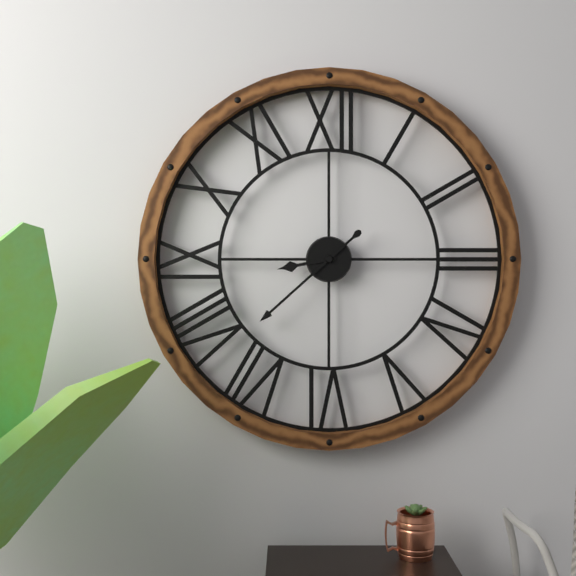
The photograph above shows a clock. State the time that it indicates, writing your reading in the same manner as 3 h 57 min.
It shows 8 h 38 min
